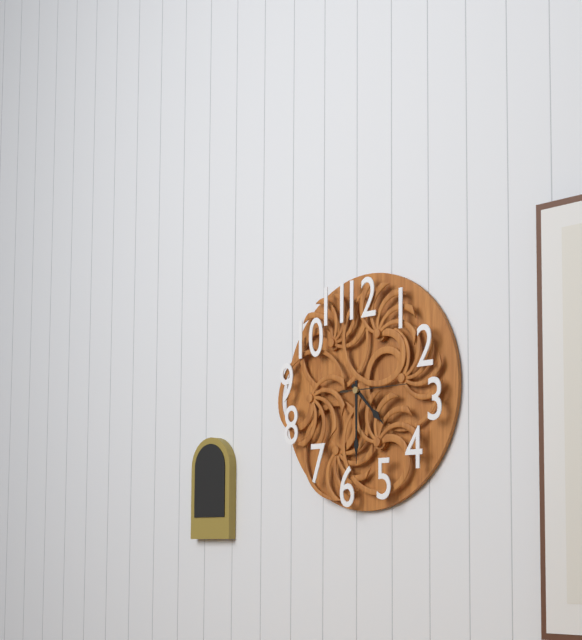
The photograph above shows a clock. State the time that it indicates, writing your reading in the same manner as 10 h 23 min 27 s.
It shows 4 h 30 min 15 s
